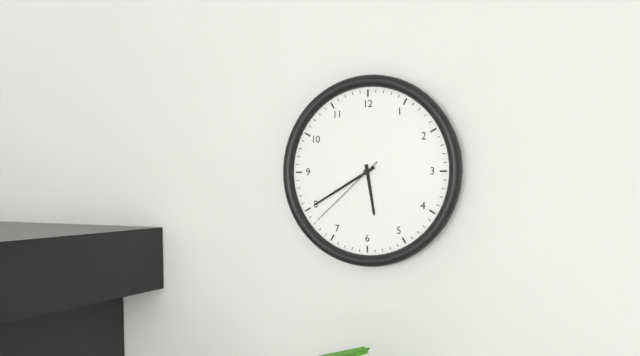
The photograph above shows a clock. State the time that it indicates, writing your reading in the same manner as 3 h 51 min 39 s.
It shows 5 h 40 min 38 s
